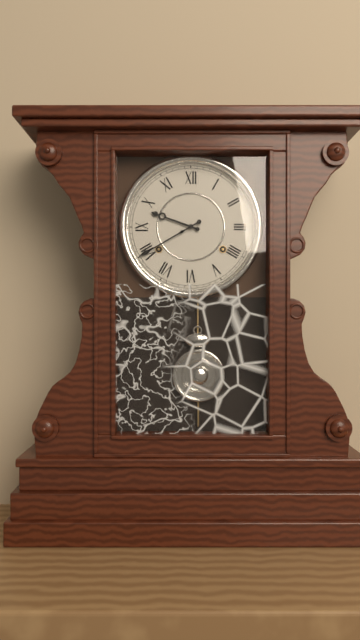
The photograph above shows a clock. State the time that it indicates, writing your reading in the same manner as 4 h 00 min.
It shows 9 h 40 min
